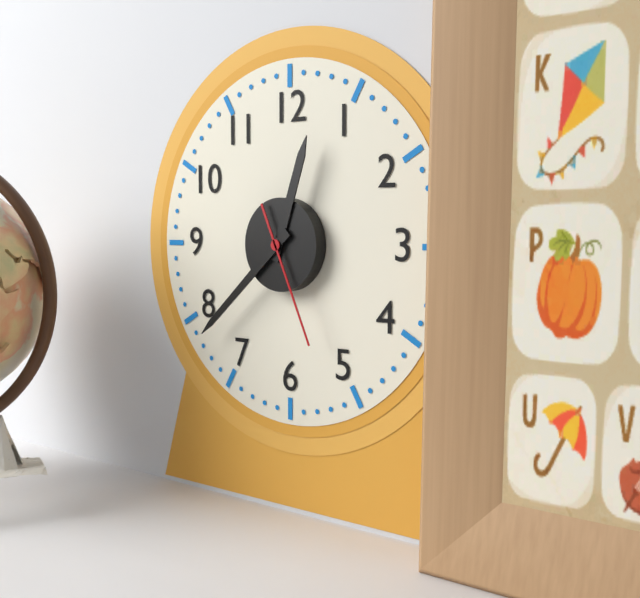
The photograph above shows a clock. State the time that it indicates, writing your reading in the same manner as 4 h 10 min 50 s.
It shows 12 h 38 min 26 s
